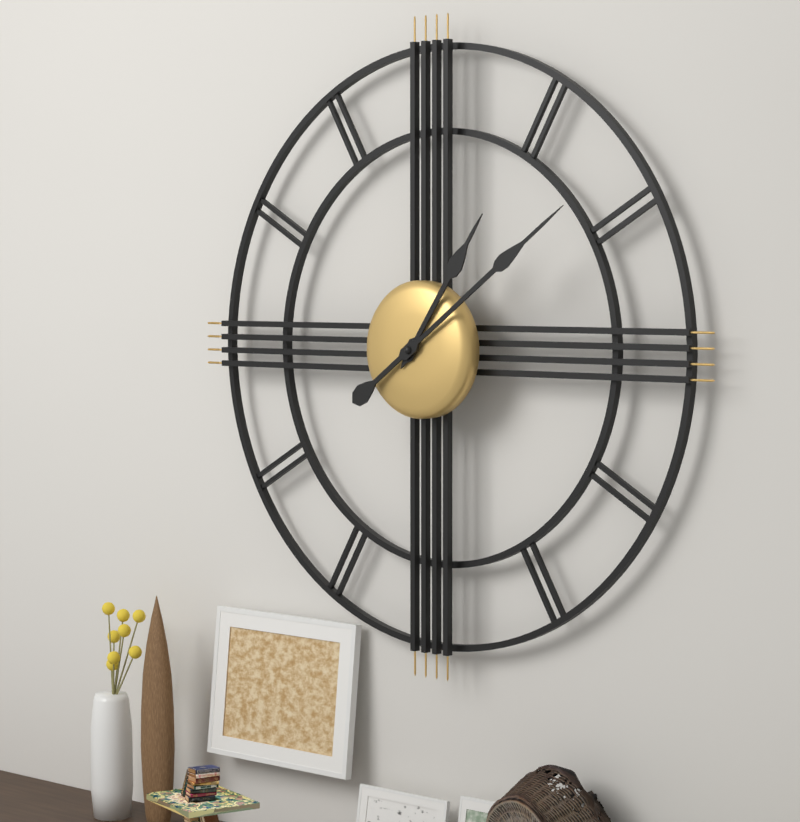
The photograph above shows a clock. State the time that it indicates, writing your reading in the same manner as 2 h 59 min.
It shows 1 h 09 min
